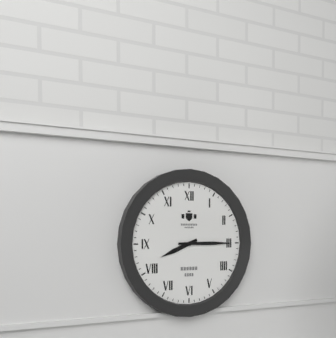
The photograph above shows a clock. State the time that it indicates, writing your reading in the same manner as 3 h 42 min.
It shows 8 h 15 min
